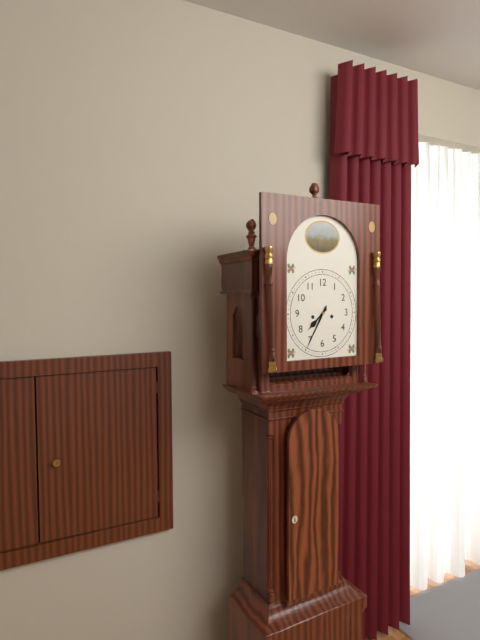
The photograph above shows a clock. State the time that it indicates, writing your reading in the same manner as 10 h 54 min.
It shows 7 h 35 min
